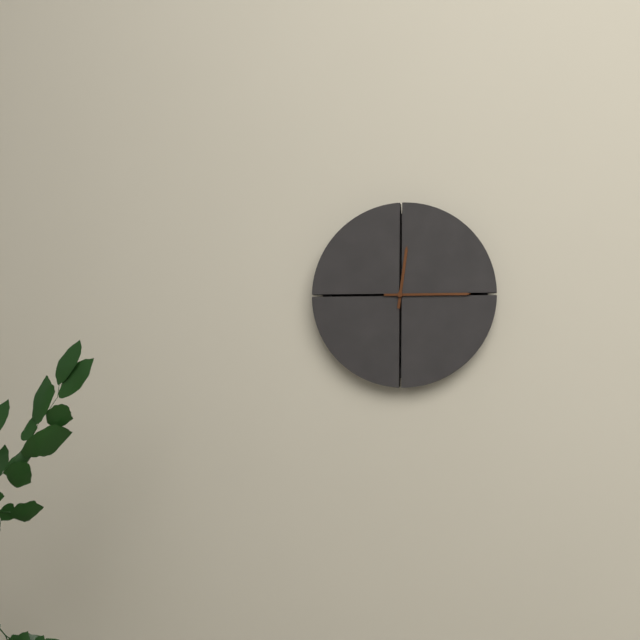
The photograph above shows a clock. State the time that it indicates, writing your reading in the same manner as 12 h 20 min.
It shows 12 h 15 min
